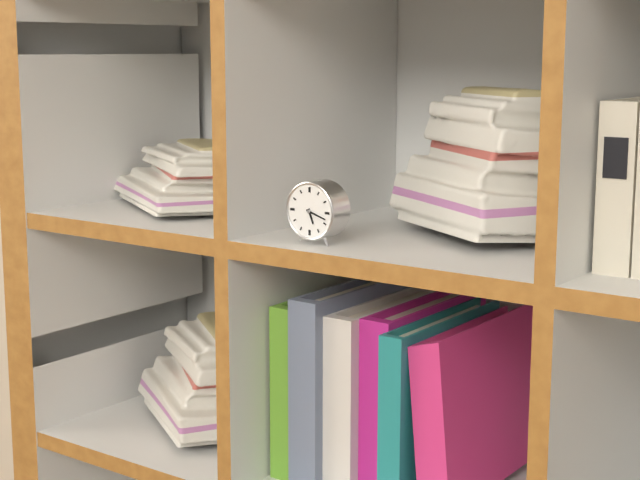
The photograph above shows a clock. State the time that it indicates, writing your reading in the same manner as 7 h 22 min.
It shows 5 h 18 min
